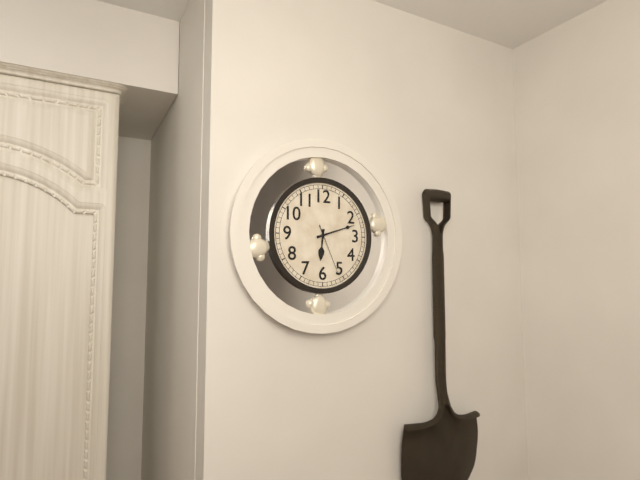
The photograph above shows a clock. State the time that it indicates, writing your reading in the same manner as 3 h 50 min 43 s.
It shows 6 h 12 min 26 s
